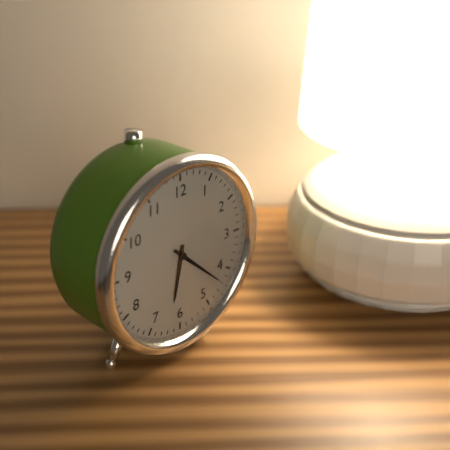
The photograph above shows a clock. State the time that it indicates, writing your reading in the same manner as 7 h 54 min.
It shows 6 h 22 min
